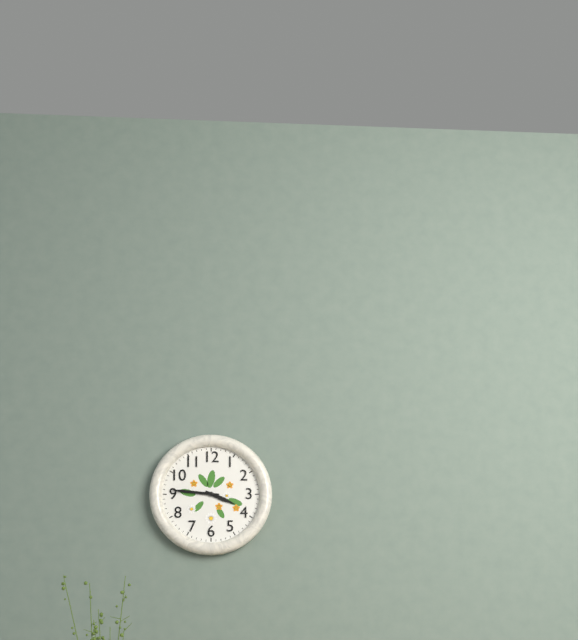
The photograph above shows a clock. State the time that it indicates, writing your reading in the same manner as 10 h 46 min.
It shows 3 h 46 min
